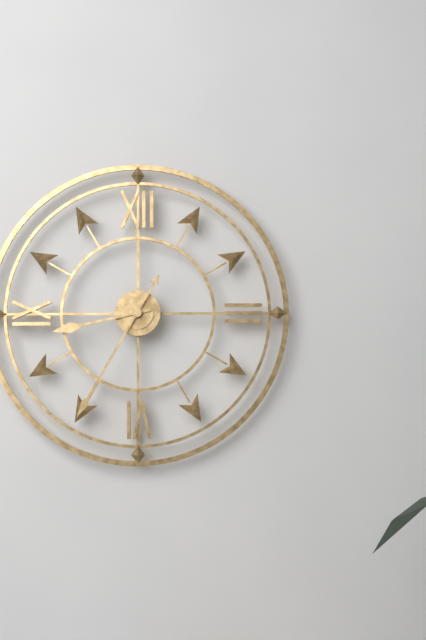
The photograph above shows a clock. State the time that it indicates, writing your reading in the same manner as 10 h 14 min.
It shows 8 h 35 min
